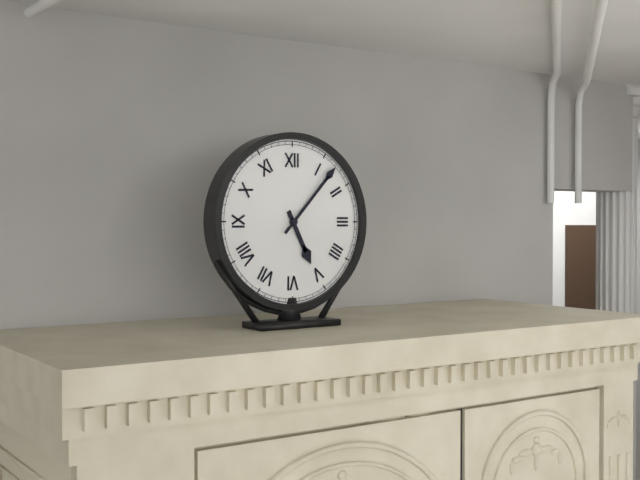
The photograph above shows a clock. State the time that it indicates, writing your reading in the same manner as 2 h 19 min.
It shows 5 h 07 min
